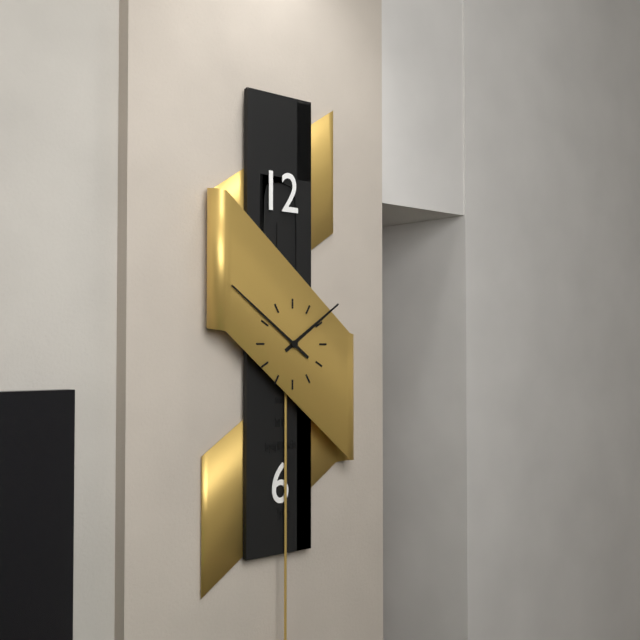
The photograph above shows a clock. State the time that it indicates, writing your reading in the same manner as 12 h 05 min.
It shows 1 h 51 min
